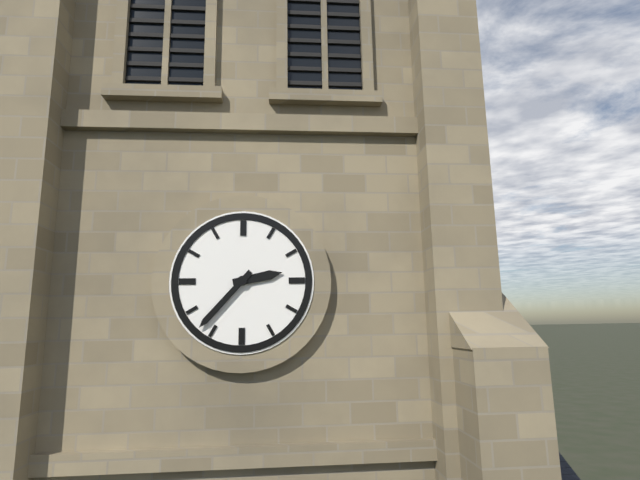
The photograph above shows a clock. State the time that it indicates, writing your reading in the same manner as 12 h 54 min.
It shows 2 h 37 min
